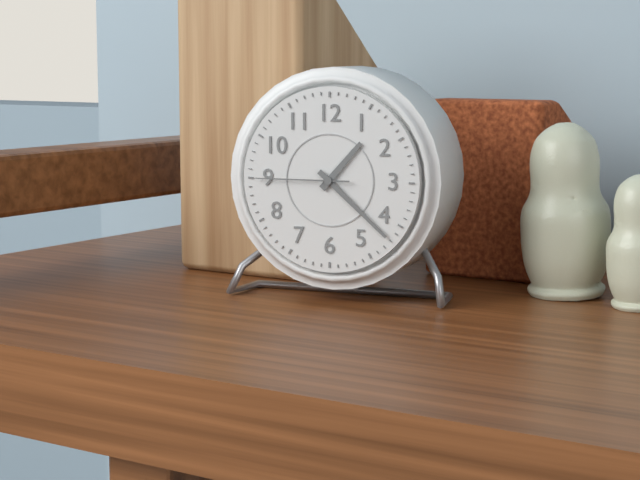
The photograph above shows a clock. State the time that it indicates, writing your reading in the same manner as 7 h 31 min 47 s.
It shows 1 h 22 min 45 s
